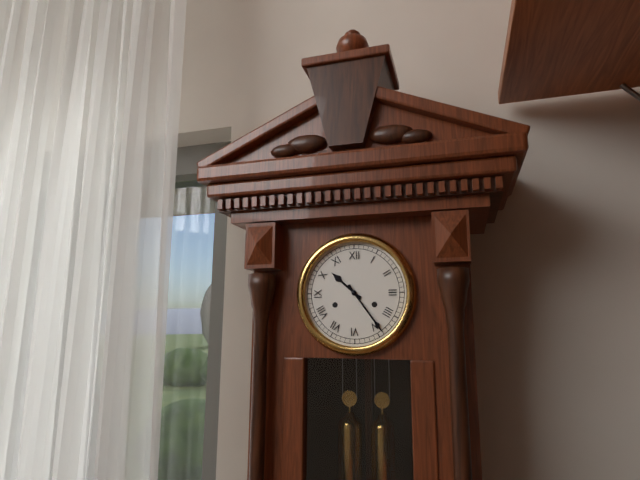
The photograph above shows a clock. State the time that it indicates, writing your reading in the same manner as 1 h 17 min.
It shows 10 h 24 min
